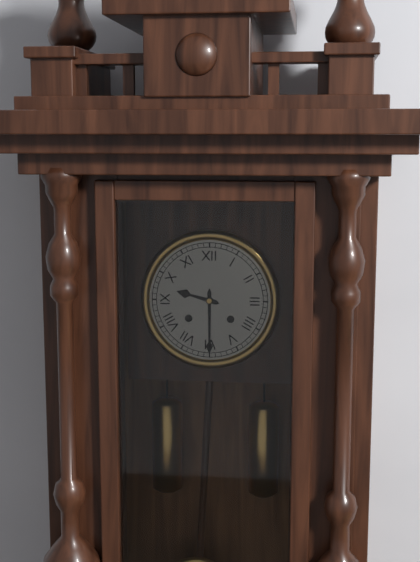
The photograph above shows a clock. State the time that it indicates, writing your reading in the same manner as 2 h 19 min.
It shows 9 h 30 min
